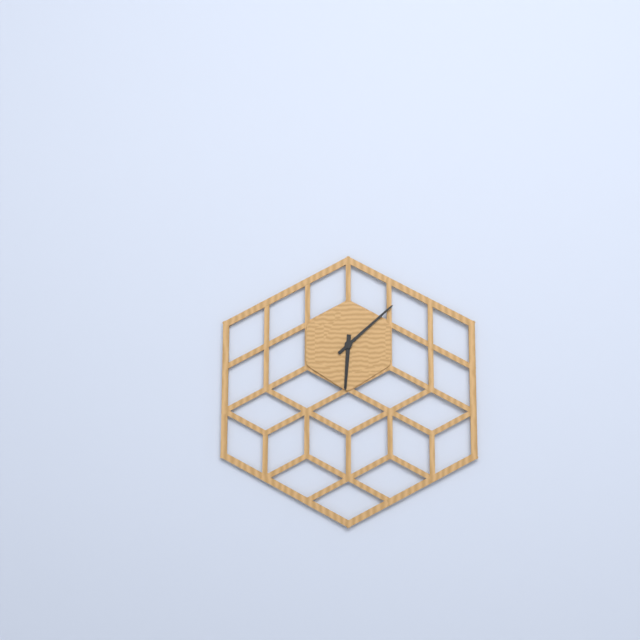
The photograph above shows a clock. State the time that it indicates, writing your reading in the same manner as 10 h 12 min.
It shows 6 h 08 min
